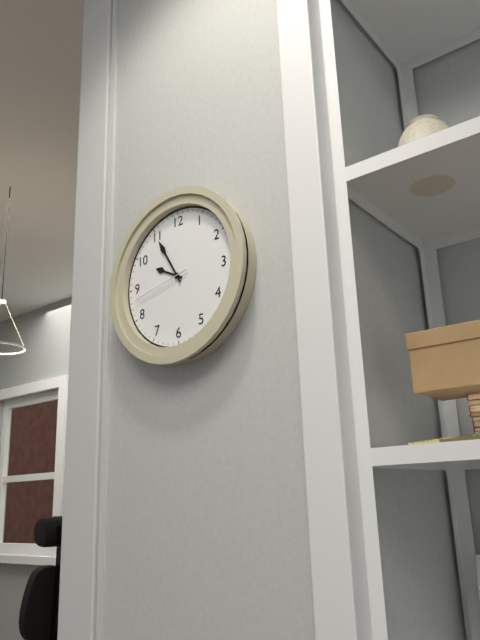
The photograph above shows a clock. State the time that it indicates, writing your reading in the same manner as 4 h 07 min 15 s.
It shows 9 h 55 min 43 s
